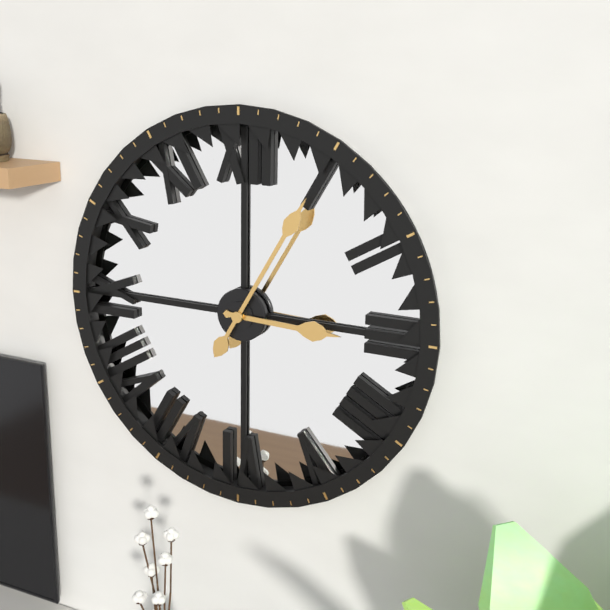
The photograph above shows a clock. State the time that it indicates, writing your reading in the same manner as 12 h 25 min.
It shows 3 h 05 min
